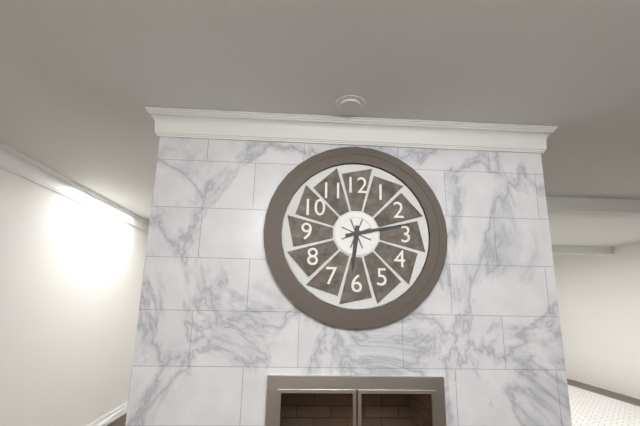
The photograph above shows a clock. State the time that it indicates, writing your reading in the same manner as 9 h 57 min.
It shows 6 h 13 min
